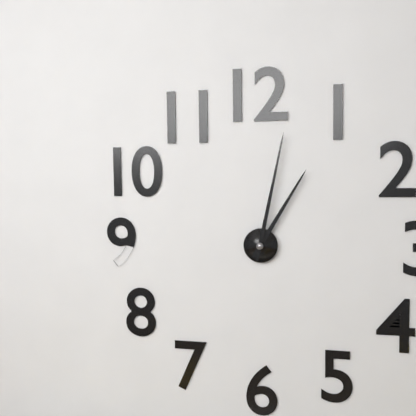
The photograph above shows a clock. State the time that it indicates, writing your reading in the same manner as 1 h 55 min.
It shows 1 h 02 min
